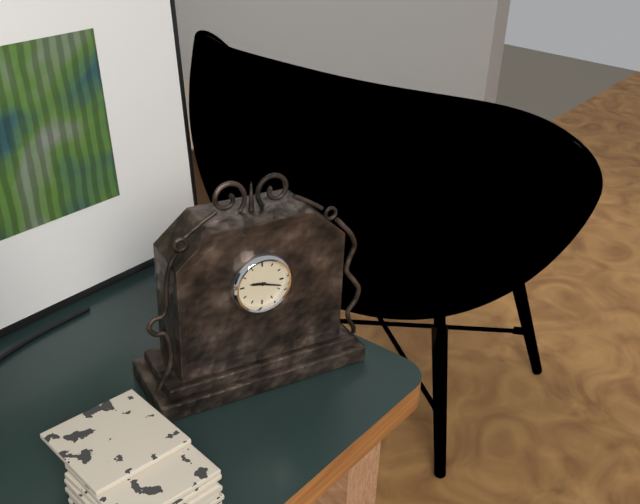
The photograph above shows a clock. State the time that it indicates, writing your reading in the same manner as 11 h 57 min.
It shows 9 h 18 min
